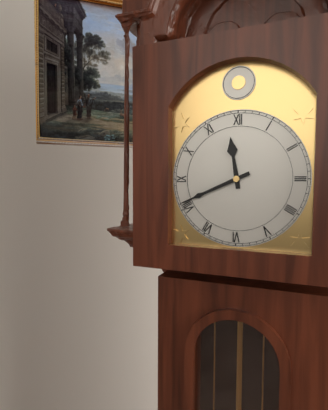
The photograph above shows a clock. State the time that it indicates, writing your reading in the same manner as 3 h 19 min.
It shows 11 h 41 min
